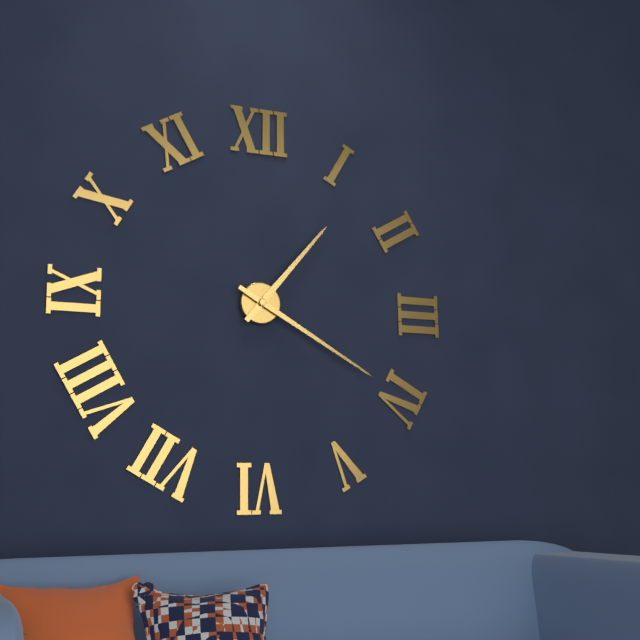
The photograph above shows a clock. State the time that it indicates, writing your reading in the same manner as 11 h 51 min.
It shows 1 h 20 min
